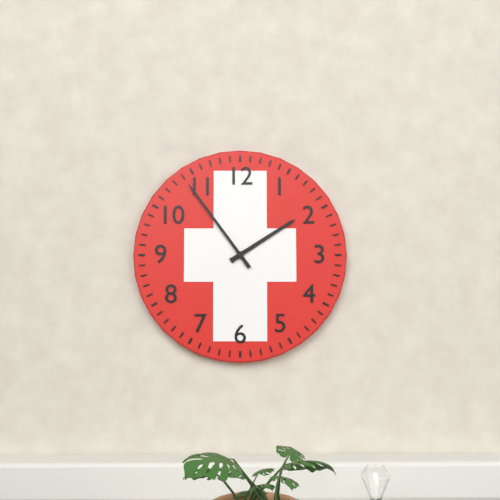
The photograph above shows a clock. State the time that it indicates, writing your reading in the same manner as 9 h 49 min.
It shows 1 h 54 min
